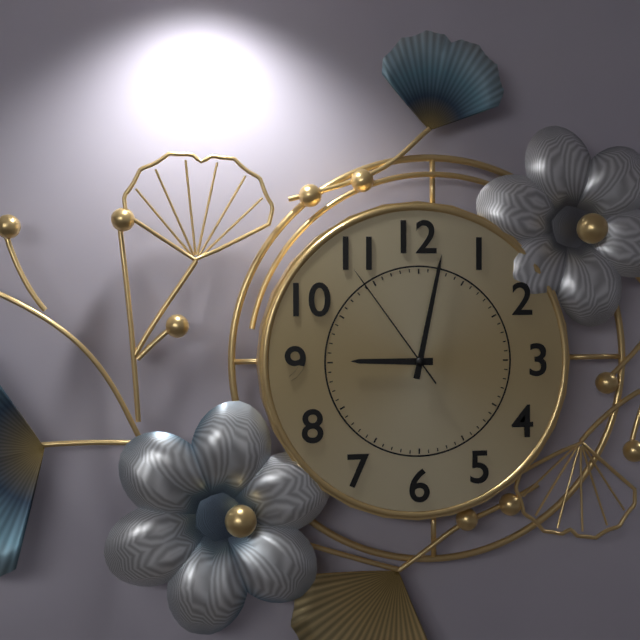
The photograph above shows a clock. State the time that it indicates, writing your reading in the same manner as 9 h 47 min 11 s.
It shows 9 h 02 min 54 s
